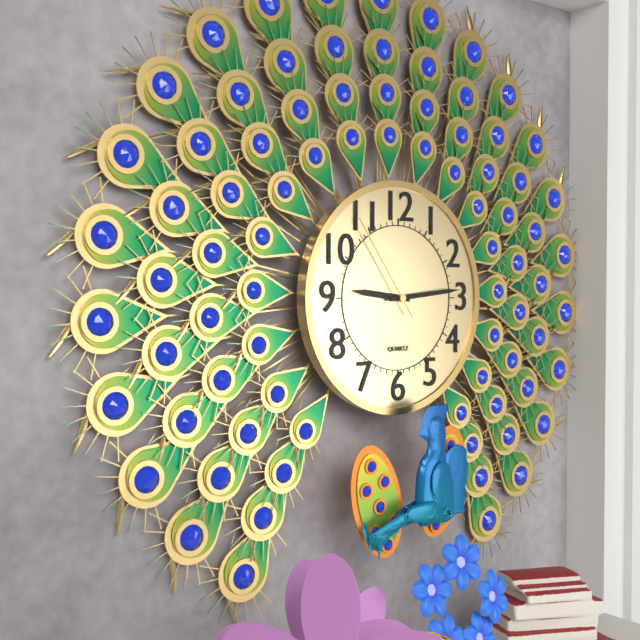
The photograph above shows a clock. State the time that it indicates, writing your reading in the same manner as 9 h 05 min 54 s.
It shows 9 h 14 min 54 s
